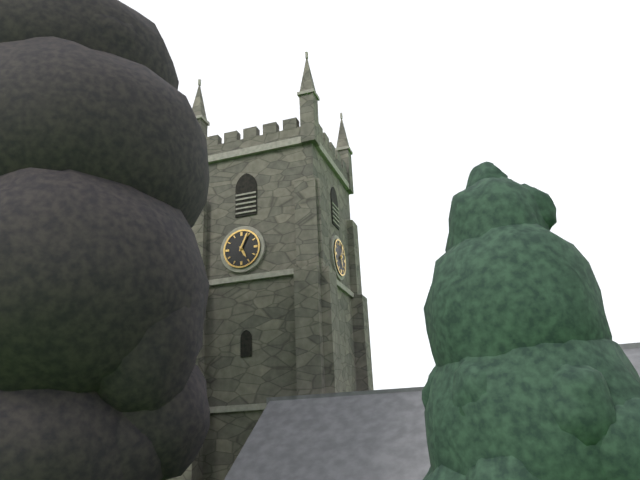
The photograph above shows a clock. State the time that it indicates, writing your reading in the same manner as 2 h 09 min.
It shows 5 h 04 min
